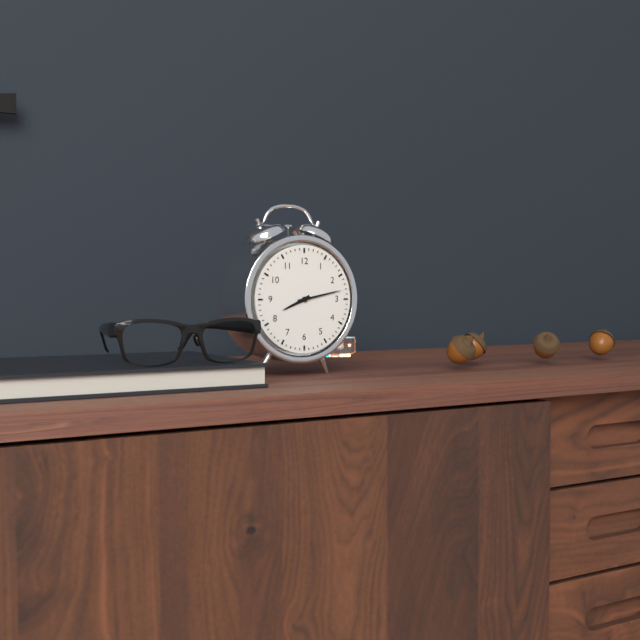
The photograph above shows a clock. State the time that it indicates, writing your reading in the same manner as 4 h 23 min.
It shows 8 h 13 min
